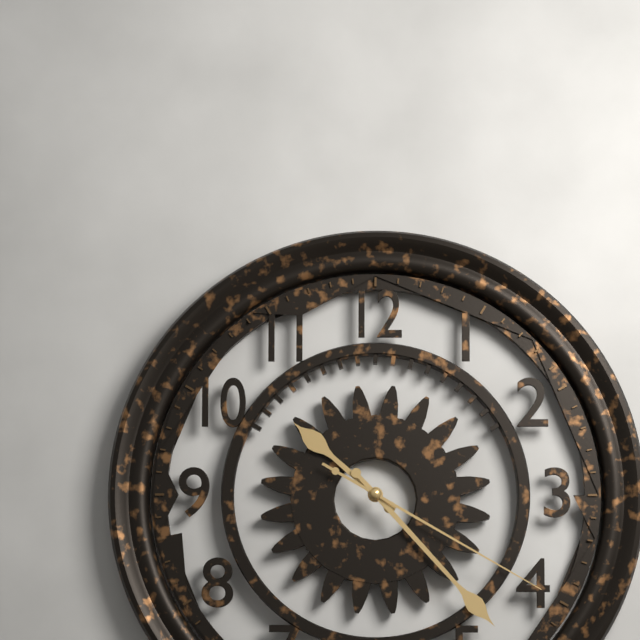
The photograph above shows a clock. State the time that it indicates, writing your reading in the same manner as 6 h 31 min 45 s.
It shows 10 h 23 min 20 s
